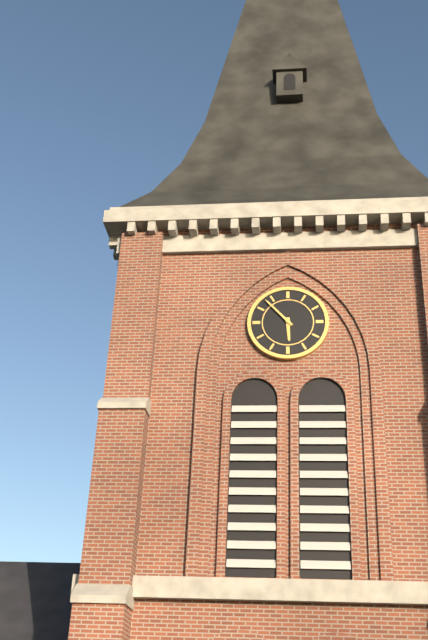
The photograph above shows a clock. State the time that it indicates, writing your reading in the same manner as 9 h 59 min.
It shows 5 h 53 min
